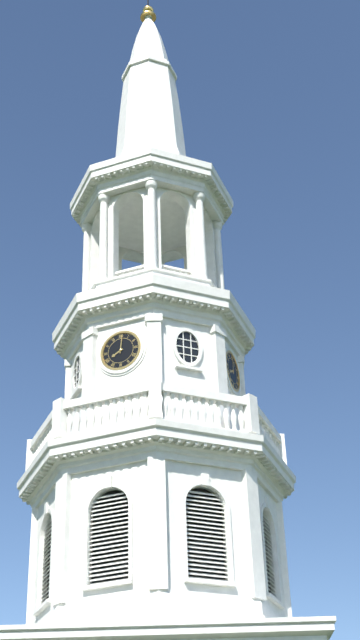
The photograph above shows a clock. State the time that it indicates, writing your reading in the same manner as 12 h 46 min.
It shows 8 h 01 min
